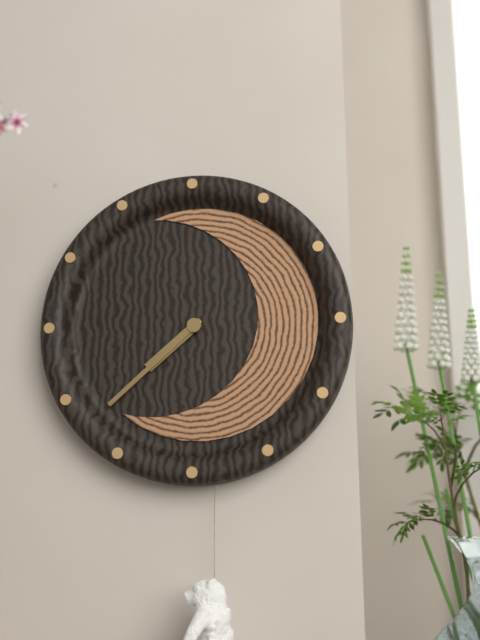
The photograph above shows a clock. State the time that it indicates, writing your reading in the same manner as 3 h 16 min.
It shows 7 h 38 min
